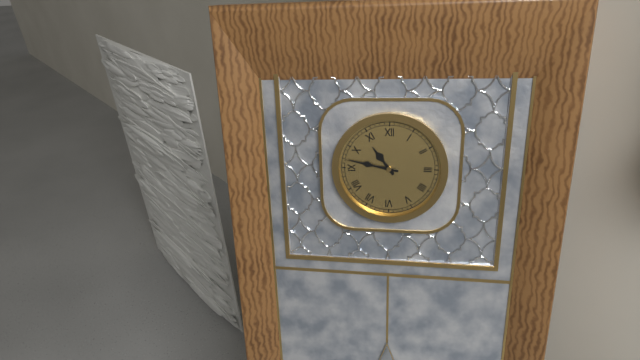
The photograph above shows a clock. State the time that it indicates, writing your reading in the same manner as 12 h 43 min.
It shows 10 h 47 min
